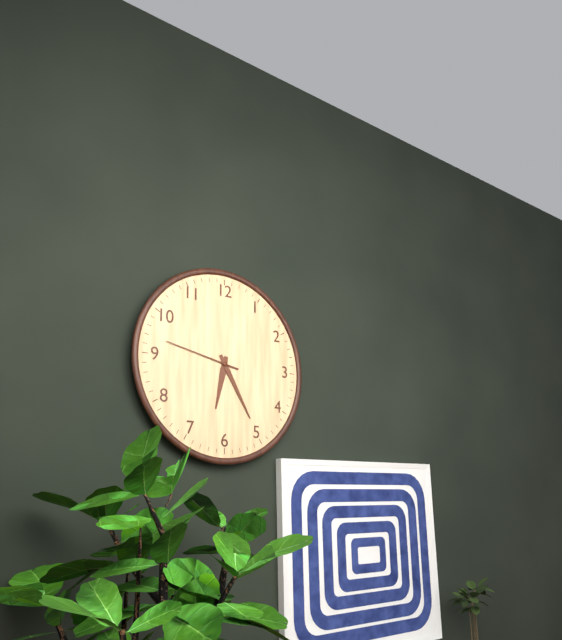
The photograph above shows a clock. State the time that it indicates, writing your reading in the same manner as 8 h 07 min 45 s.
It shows 6 h 25 min 47 s
